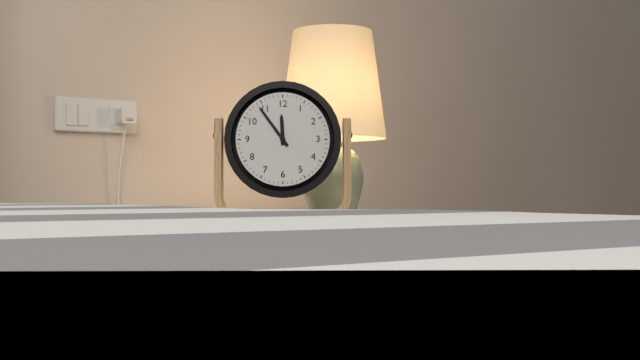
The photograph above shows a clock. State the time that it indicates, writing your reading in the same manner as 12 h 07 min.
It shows 11 h 54 min
